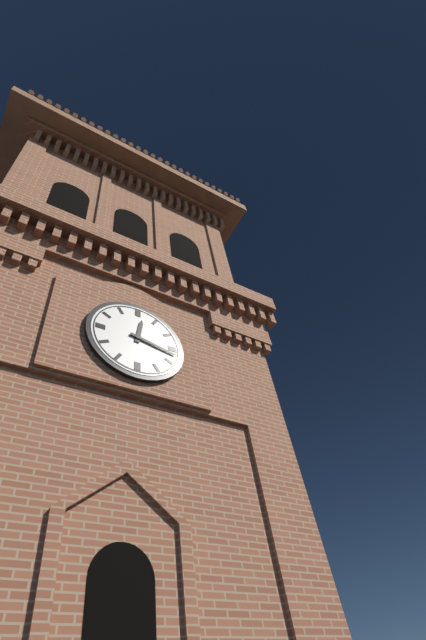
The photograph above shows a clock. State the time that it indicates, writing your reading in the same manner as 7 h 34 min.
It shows 12 h 17 min
